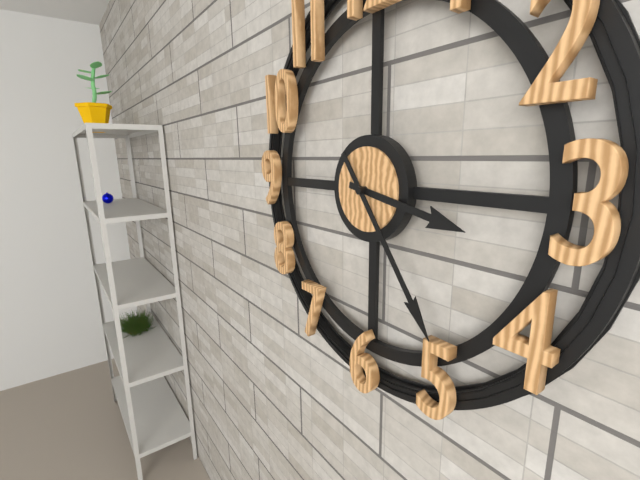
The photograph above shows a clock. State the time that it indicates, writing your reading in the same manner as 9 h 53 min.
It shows 3 h 24 min
